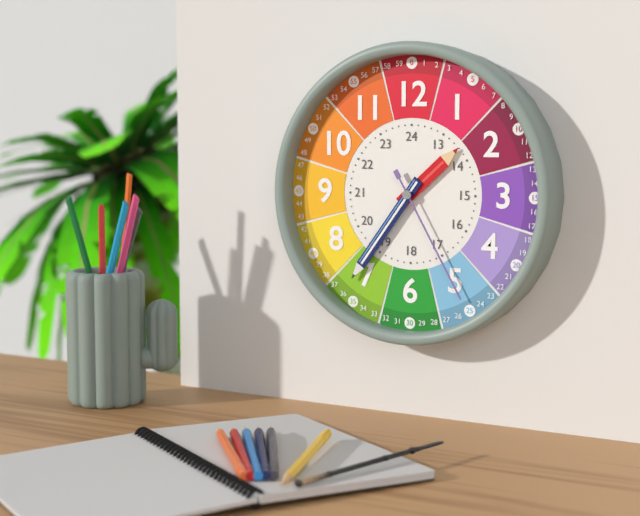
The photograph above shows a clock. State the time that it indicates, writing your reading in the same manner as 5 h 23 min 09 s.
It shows 1 h 36 min 25 s
